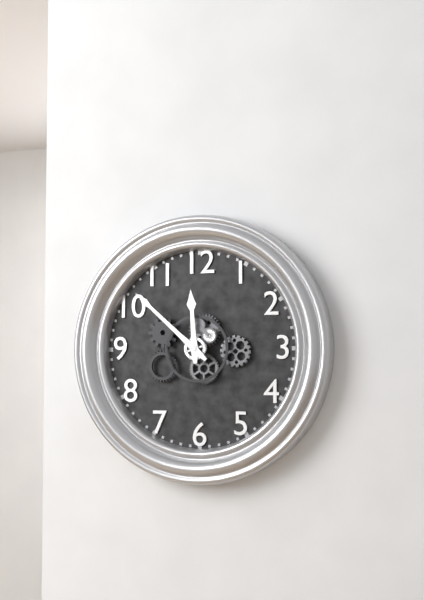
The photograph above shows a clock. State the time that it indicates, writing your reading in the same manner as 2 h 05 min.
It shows 11 h 52 min
